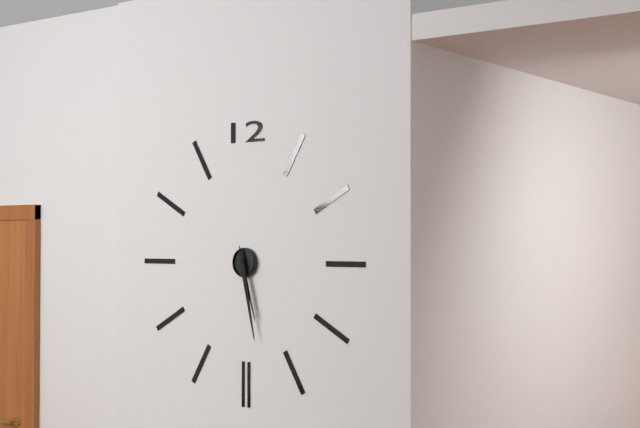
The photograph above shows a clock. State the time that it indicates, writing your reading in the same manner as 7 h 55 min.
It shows 5 h 28 min
